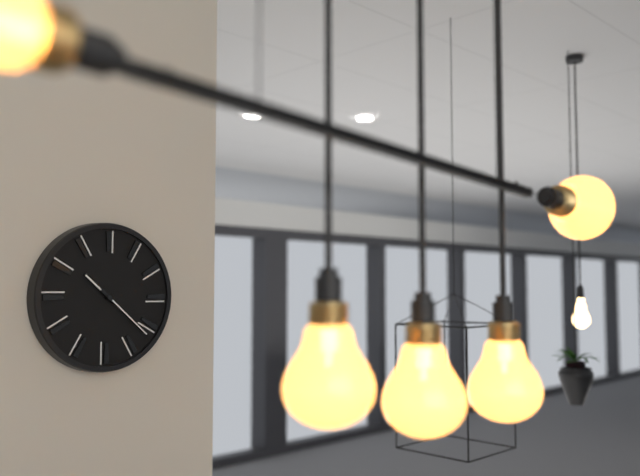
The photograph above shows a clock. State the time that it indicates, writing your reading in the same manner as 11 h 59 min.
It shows 10 h 22 min
